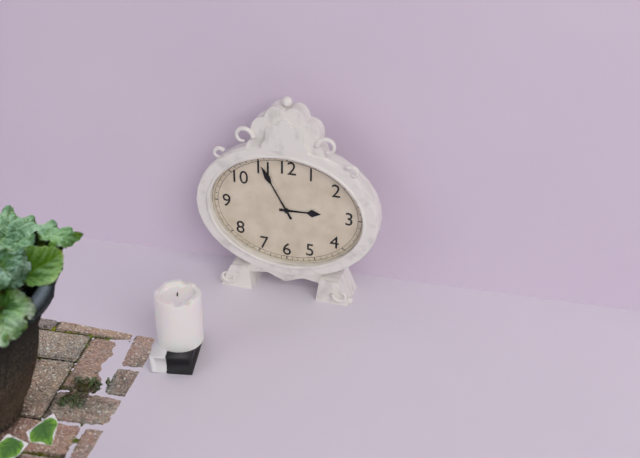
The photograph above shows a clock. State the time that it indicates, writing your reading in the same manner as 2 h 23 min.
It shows 2 h 55 min
